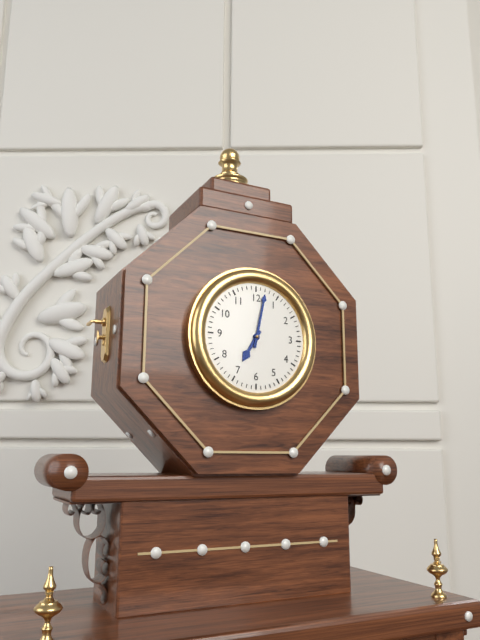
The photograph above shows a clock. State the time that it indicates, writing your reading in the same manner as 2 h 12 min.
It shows 7 h 02 min
